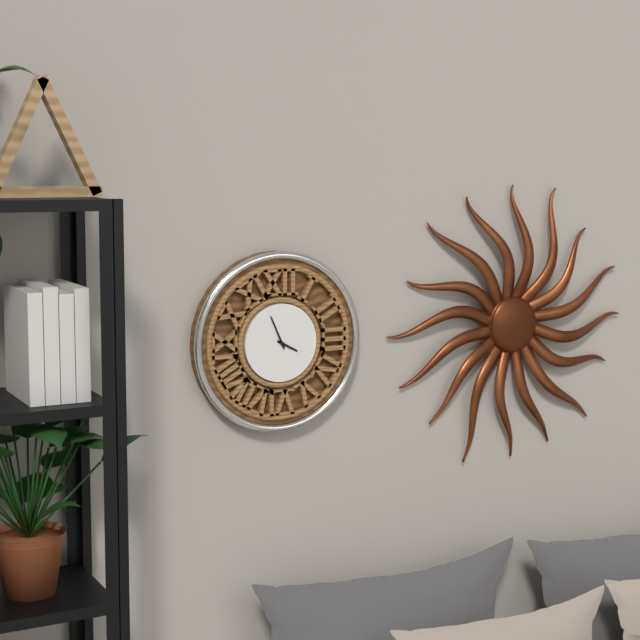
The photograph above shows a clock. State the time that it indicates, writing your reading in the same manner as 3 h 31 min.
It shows 3 h 56 min
